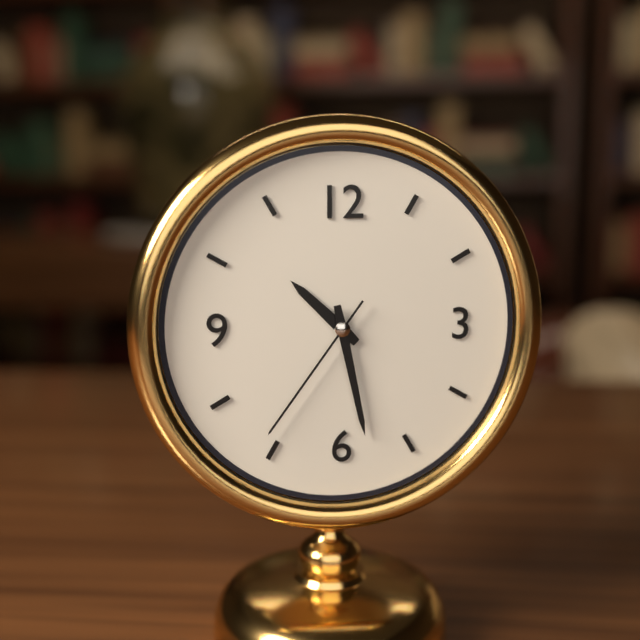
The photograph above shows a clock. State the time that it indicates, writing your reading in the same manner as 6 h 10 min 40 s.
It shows 10 h 28 min 36 s
